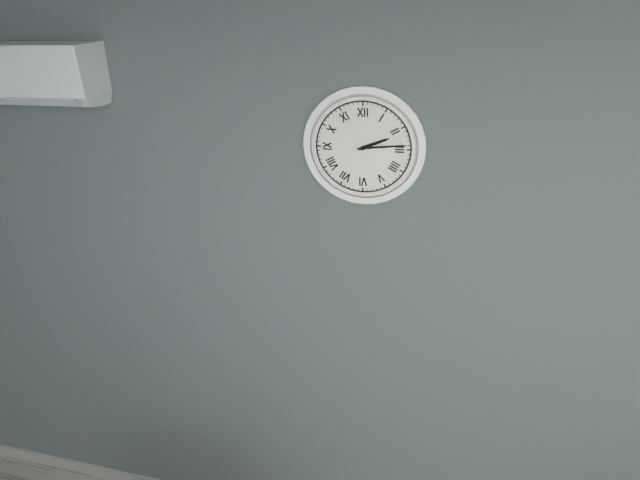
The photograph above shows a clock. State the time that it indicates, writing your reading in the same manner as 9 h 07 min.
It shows 2 h 14 min
